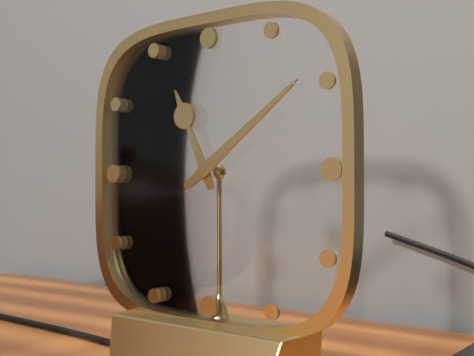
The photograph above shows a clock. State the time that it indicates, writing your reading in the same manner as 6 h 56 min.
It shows 11 h 09 min
